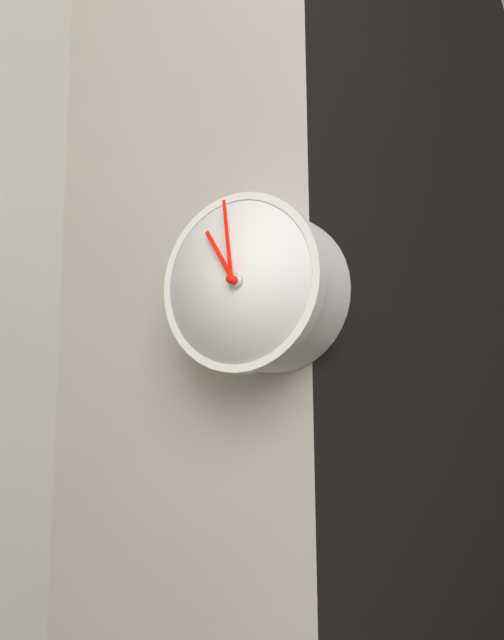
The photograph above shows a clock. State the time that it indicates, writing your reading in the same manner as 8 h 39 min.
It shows 10 h 59 min
